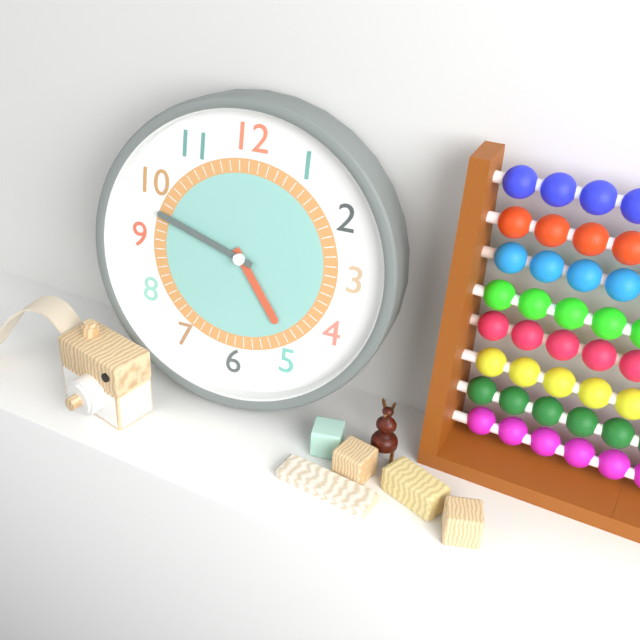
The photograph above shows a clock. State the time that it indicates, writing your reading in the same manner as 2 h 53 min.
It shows 4 h 48 min
